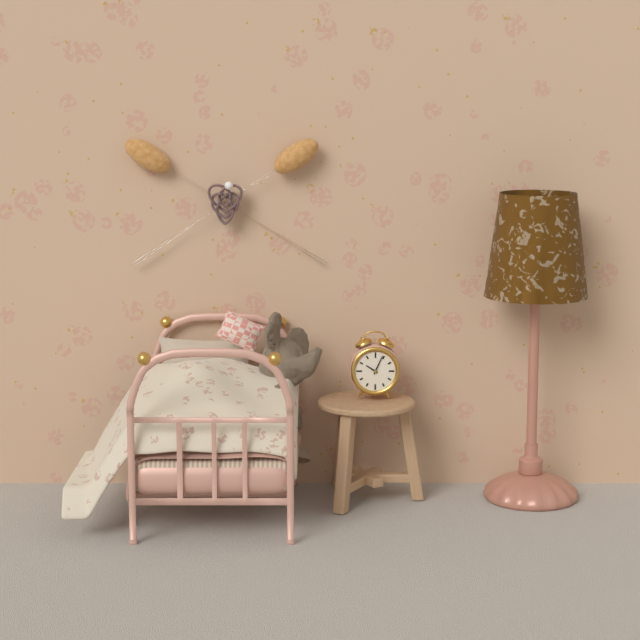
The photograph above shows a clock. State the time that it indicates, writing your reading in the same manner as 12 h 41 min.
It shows 10 h 04 min
